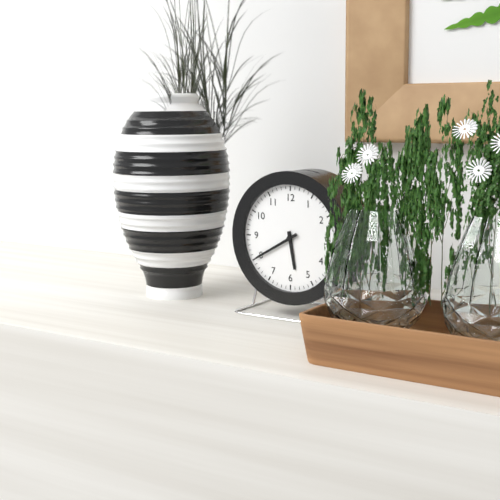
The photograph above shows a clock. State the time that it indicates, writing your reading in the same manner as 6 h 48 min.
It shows 5 h 40 min
